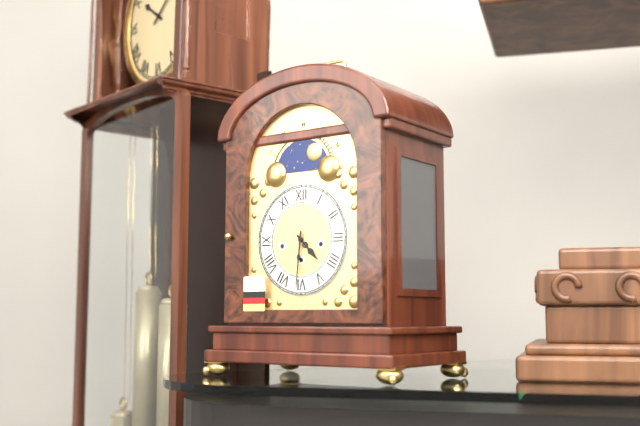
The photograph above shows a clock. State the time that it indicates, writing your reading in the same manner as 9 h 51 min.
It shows 4 h 31 min
